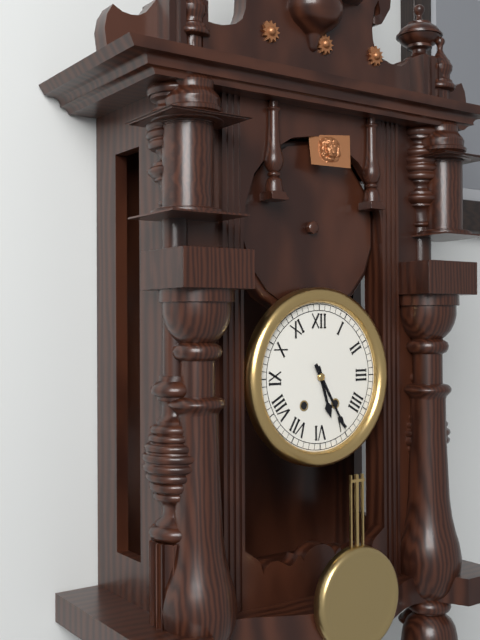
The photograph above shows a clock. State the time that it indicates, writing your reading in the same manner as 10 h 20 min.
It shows 5 h 25 min
